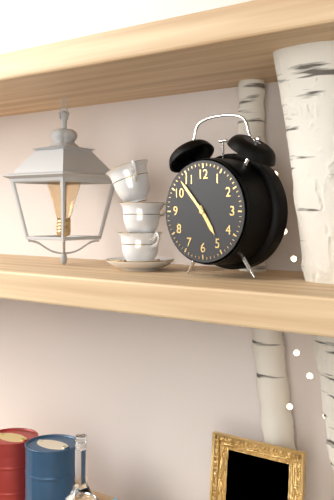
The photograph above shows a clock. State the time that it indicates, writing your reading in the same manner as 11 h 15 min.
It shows 4 h 53 min
